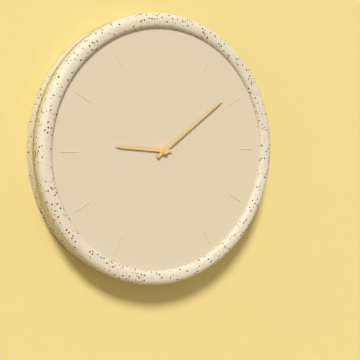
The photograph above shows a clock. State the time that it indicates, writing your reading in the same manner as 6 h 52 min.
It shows 9 h 09 min
